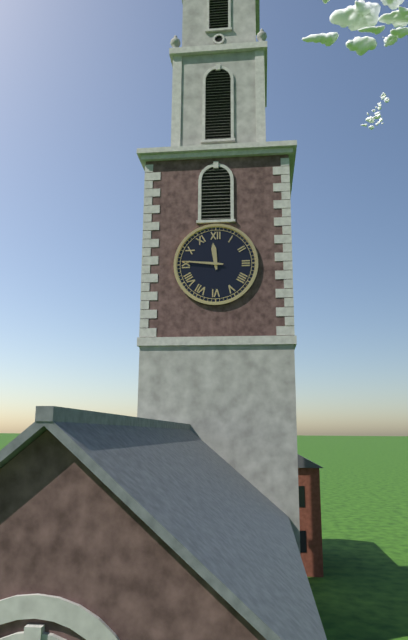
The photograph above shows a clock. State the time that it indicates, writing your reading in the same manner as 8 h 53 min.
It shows 11 h 46 min
